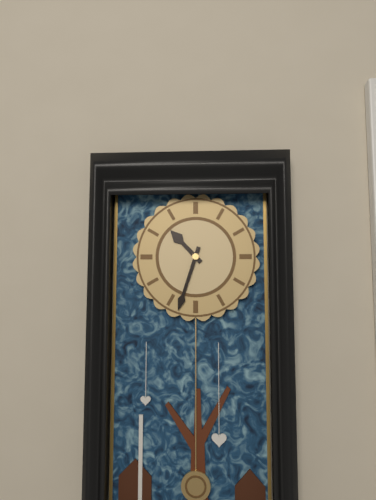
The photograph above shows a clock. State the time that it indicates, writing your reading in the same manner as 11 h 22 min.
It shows 10 h 33 min
